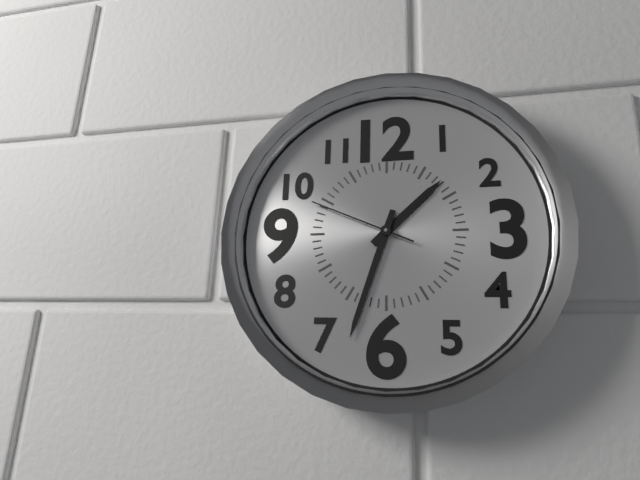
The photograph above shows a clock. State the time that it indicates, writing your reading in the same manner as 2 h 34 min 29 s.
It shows 1 h 33 min 49 s
